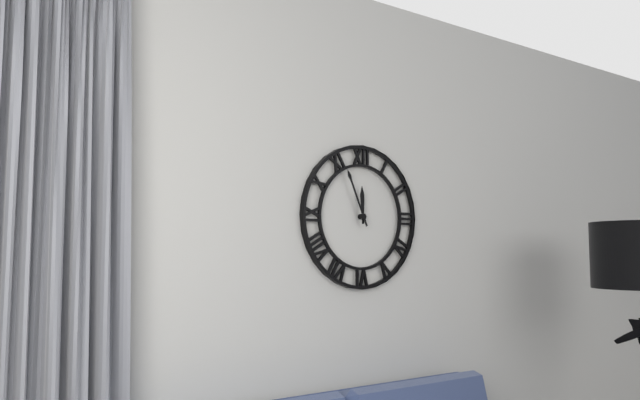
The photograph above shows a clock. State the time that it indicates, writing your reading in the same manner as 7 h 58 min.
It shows 11 h 56 min
